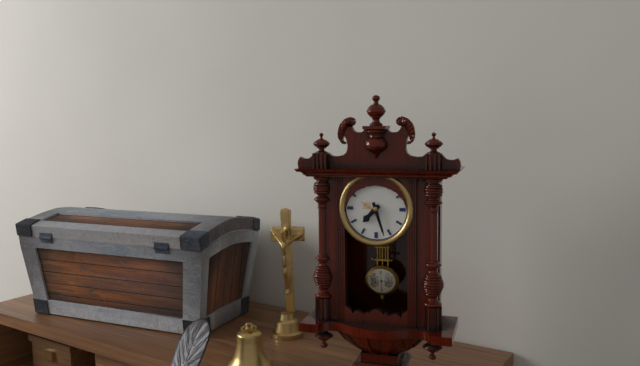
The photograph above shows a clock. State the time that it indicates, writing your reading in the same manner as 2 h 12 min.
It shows 7 h 27 min
